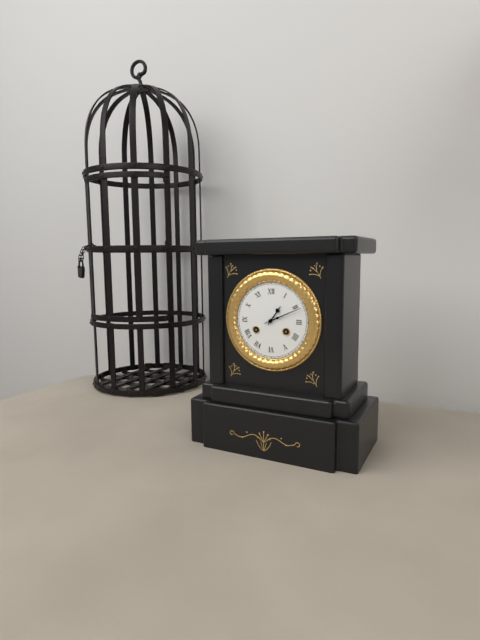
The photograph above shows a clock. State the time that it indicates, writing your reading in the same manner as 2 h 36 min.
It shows 1 h 11 min
